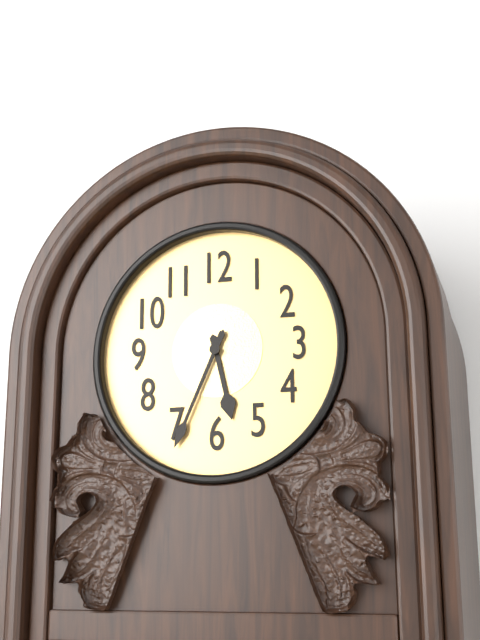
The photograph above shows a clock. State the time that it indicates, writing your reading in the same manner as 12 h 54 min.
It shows 5 h 34 min
